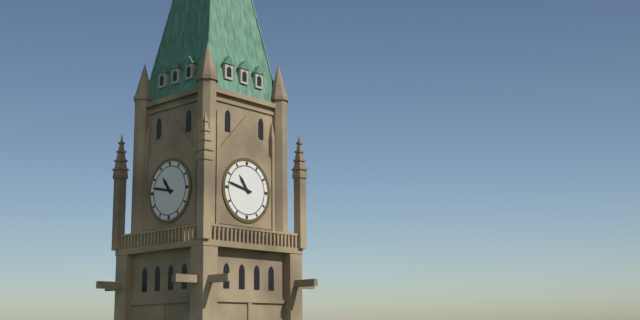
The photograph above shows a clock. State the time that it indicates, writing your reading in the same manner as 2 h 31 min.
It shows 10 h 47 min
